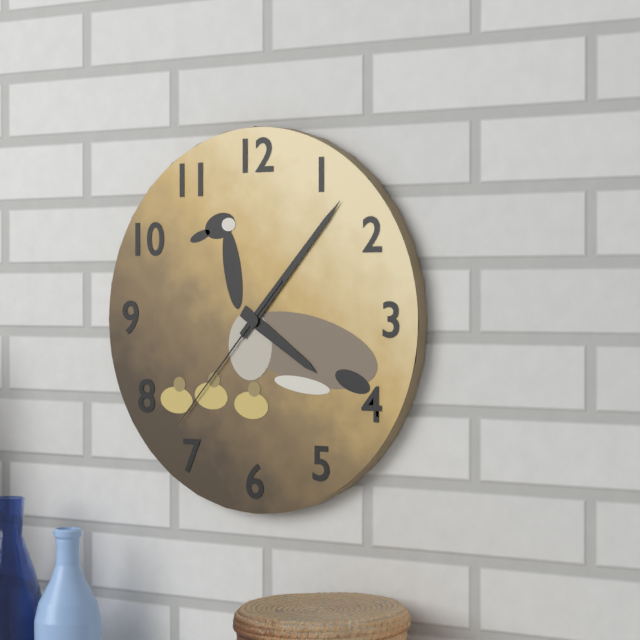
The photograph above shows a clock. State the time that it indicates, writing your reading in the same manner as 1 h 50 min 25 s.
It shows 4 h 07 min 37 s
